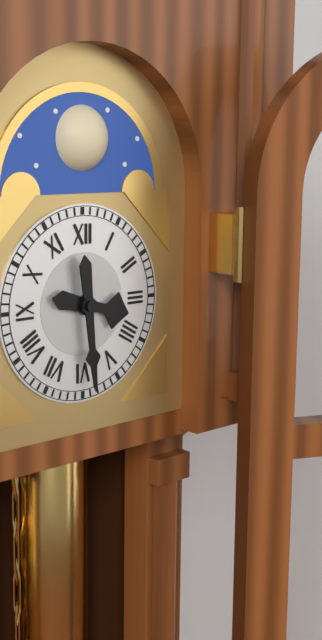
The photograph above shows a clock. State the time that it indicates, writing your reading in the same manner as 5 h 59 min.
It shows 3 h 29 min
